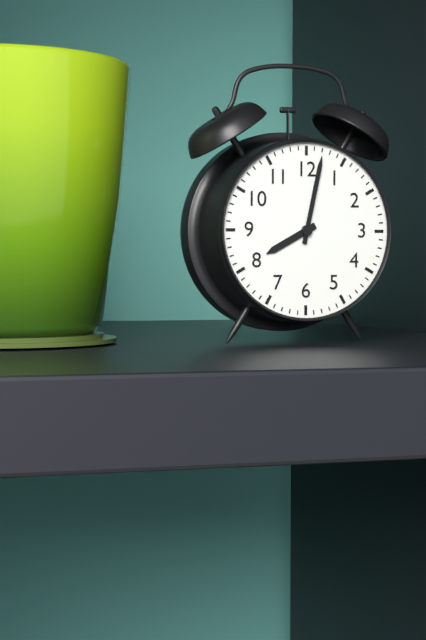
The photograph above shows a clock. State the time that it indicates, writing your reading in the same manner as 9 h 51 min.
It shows 8 h 02 min
